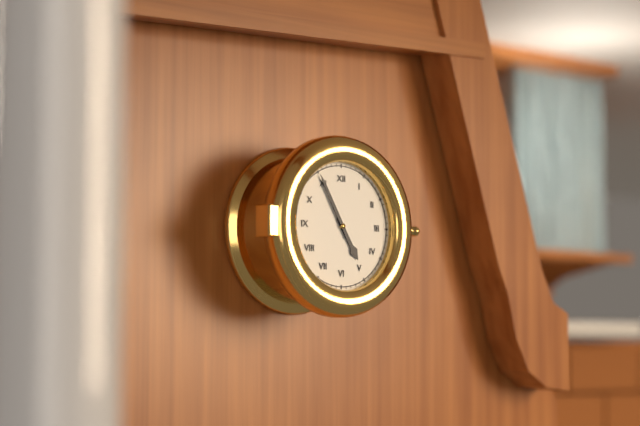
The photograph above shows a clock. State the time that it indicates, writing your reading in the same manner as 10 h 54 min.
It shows 4 h 55 min
